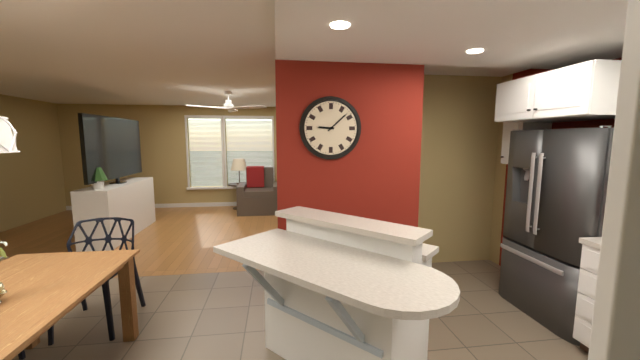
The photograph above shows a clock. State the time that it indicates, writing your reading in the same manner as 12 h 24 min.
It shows 9 h 08 min
